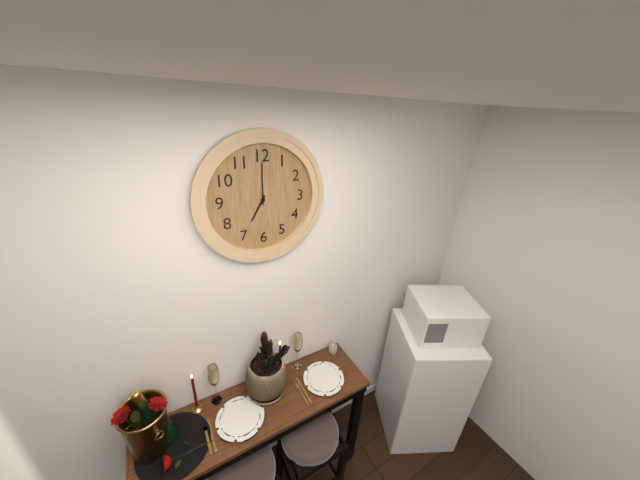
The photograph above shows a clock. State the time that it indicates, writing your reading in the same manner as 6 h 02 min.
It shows 7 h 00 min
